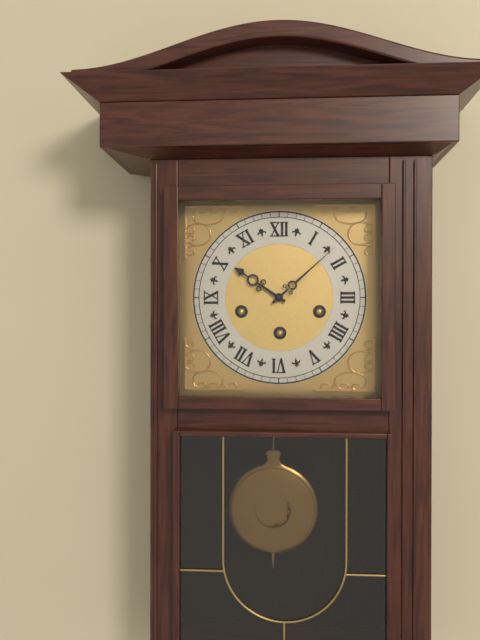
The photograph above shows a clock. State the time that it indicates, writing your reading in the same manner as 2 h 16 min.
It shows 10 h 08 min
